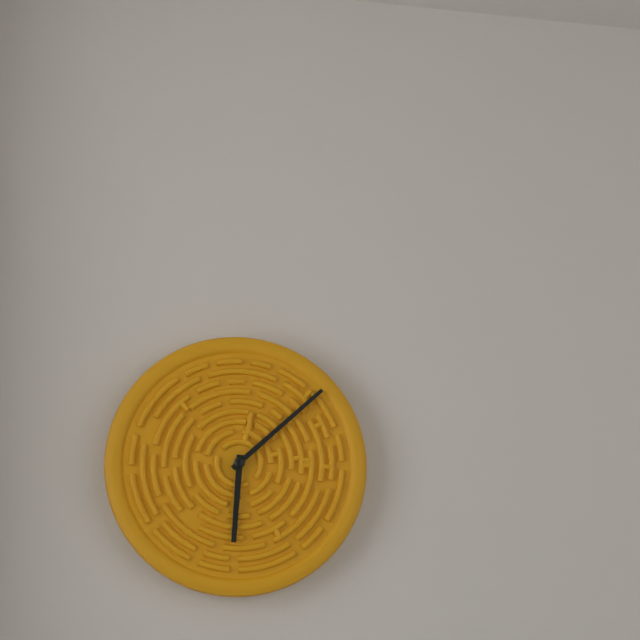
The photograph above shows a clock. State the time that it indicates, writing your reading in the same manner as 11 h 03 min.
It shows 6 h 08 min
